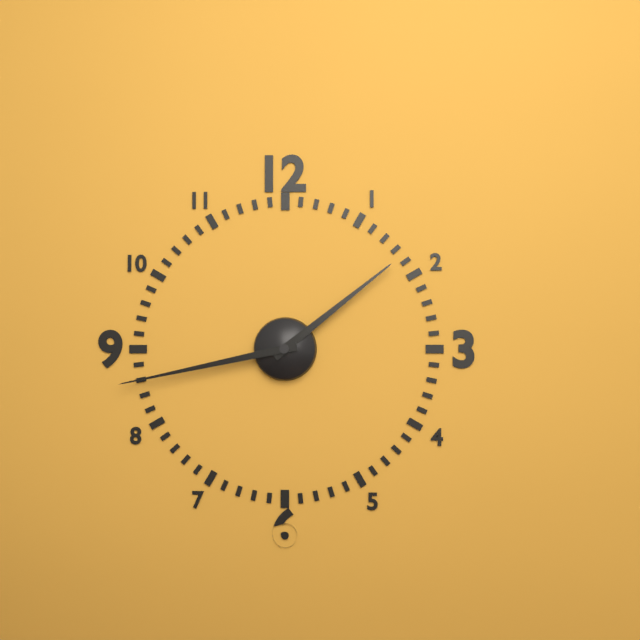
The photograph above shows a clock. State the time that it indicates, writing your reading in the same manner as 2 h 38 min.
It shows 1 h 43 min
